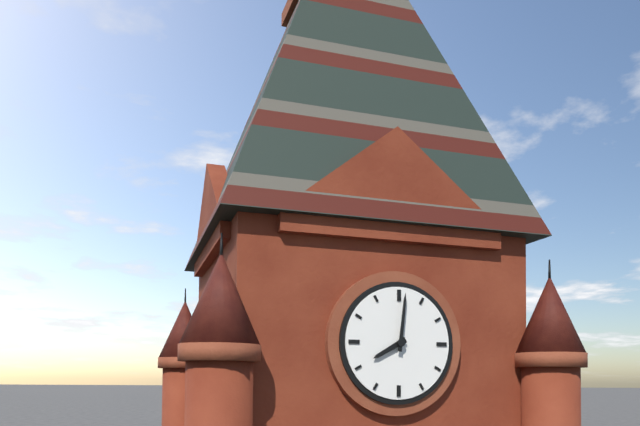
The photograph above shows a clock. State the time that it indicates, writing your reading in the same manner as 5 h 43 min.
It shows 8 h 01 min
